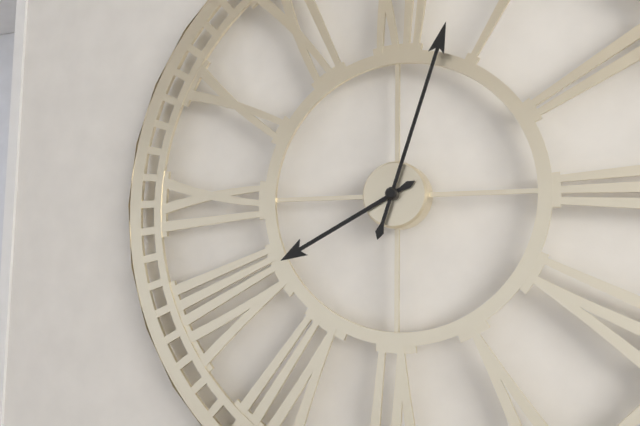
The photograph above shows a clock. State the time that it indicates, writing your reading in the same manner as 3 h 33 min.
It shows 8 h 03 min
